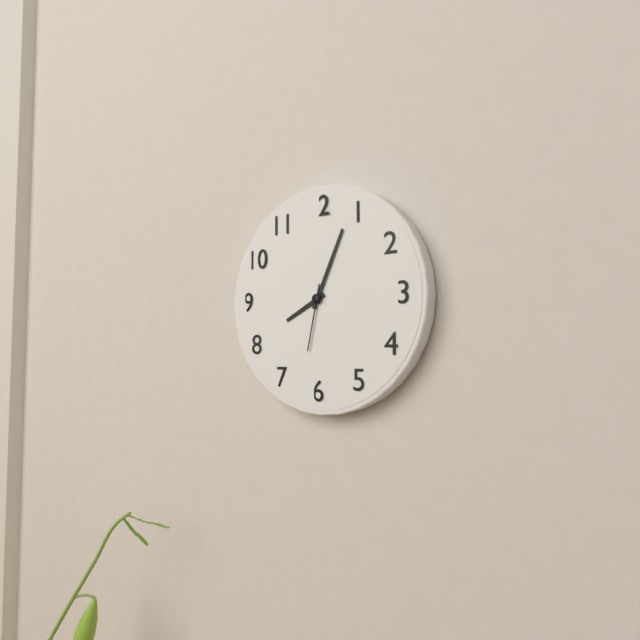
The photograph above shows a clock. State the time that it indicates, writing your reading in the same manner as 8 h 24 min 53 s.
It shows 8 h 04 min 32 s
